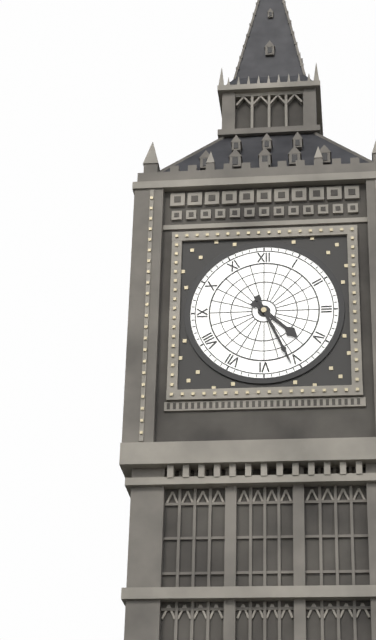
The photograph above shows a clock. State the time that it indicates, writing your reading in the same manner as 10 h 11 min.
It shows 4 h 26 min
